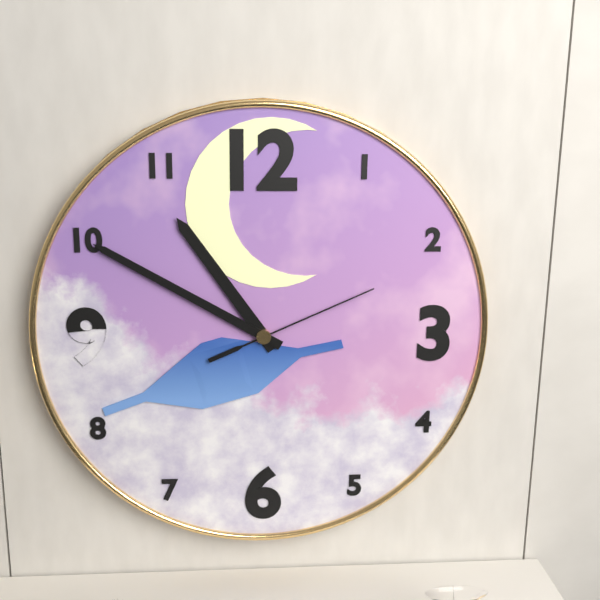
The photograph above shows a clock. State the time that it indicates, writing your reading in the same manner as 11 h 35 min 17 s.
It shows 10 h 50 min 11 s
